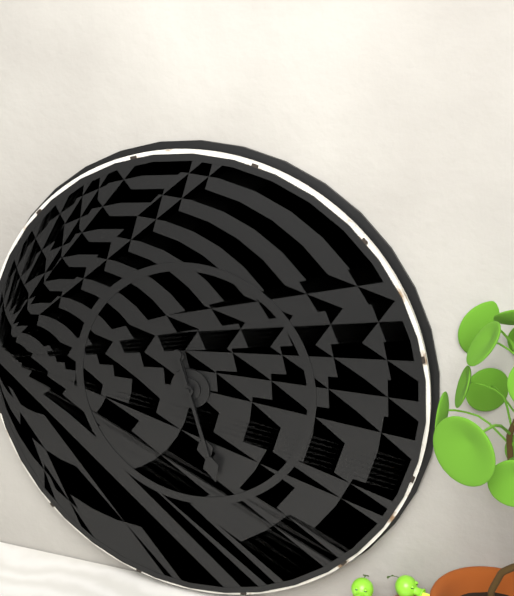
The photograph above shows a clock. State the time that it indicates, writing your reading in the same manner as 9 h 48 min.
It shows 5 h 27 min
